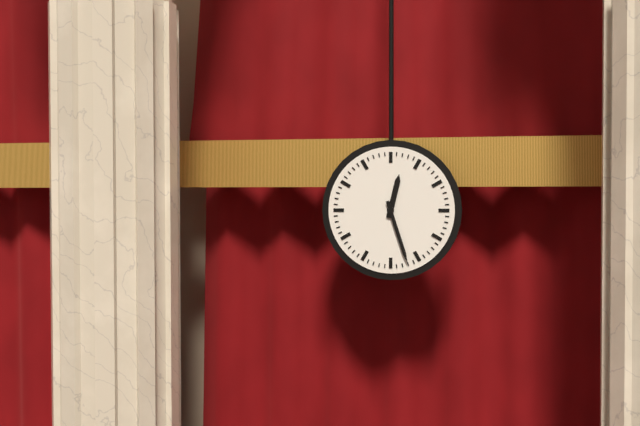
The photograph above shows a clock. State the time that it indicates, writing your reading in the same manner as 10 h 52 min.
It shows 12 h 27 min
